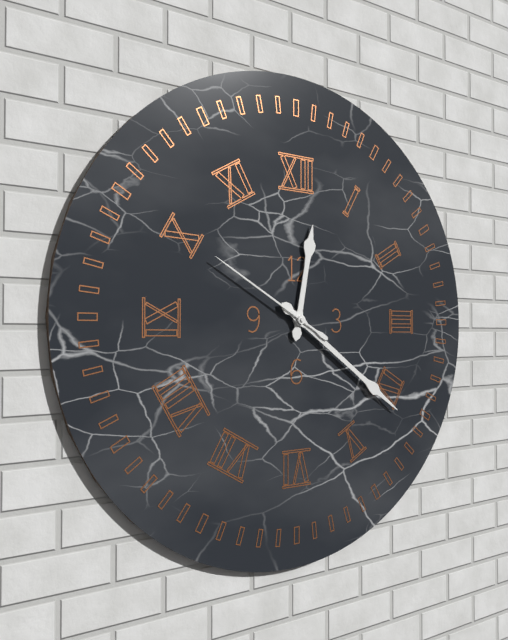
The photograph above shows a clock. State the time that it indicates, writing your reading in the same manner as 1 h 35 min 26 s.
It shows 12 h 21 min 50 s
